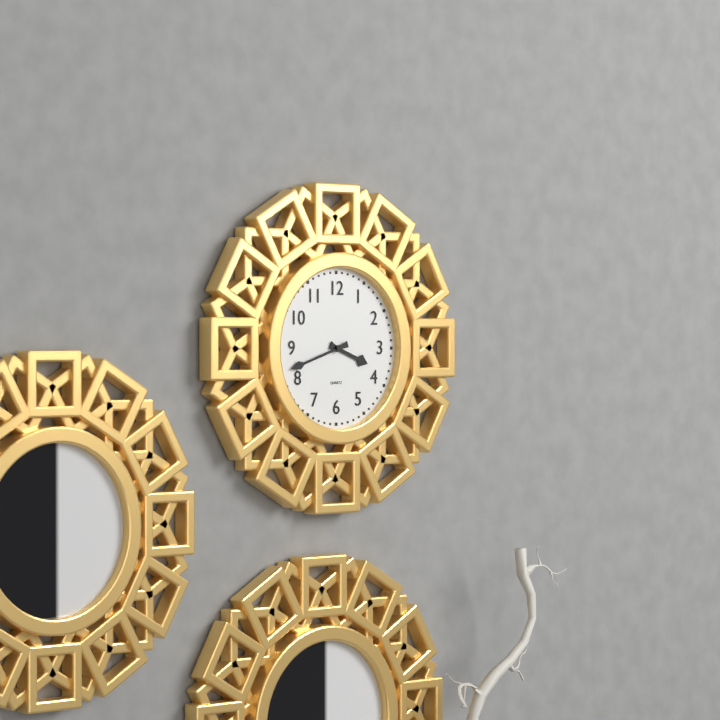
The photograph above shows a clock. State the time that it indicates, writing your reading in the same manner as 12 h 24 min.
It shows 3 h 42 min
